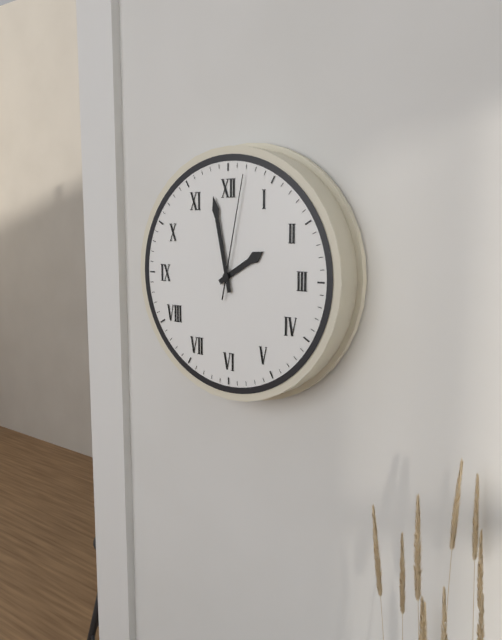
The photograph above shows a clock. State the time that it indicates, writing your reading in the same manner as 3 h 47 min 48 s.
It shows 1 h 58 min 02 s
